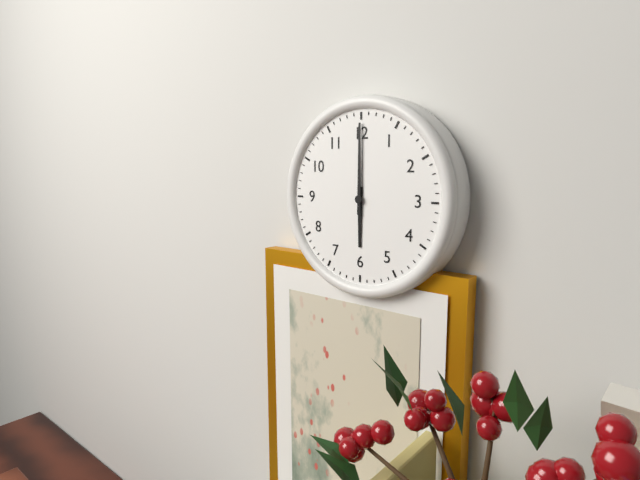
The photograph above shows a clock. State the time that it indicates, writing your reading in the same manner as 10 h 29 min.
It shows 6 h 00 min
